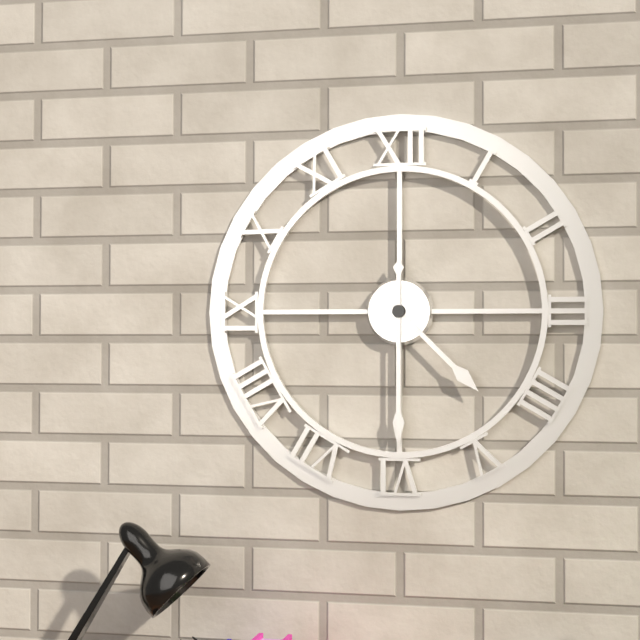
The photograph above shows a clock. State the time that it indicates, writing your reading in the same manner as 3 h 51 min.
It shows 4 h 30 min
